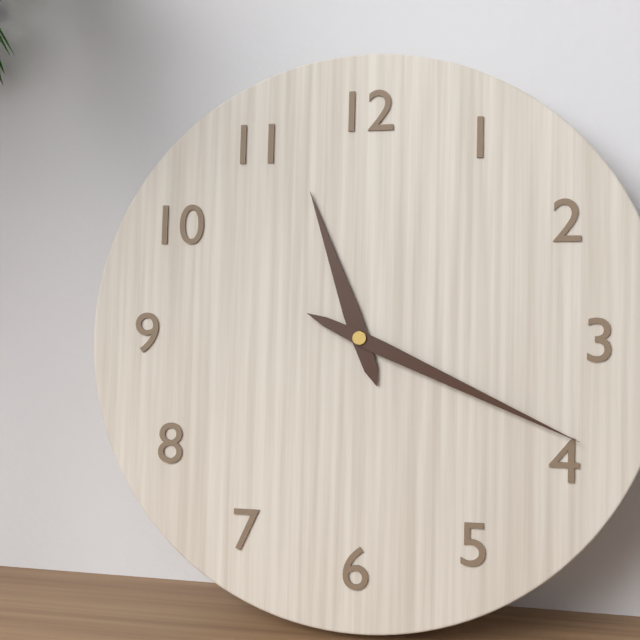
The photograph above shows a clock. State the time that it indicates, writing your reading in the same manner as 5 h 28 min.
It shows 11 h 19 min
